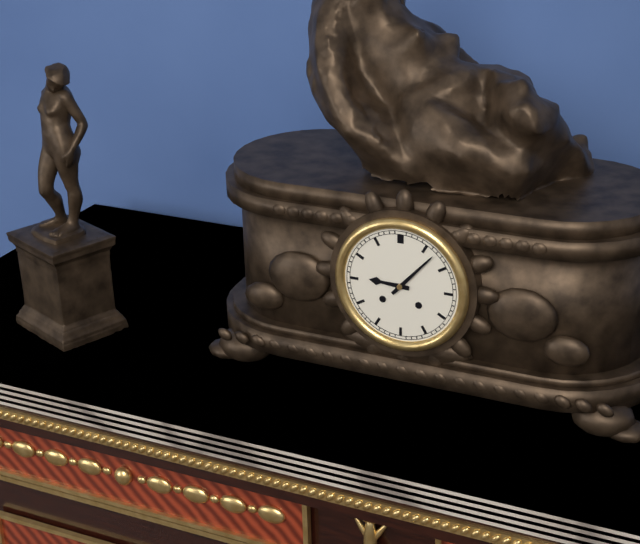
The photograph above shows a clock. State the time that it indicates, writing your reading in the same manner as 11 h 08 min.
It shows 9 h 07 min
